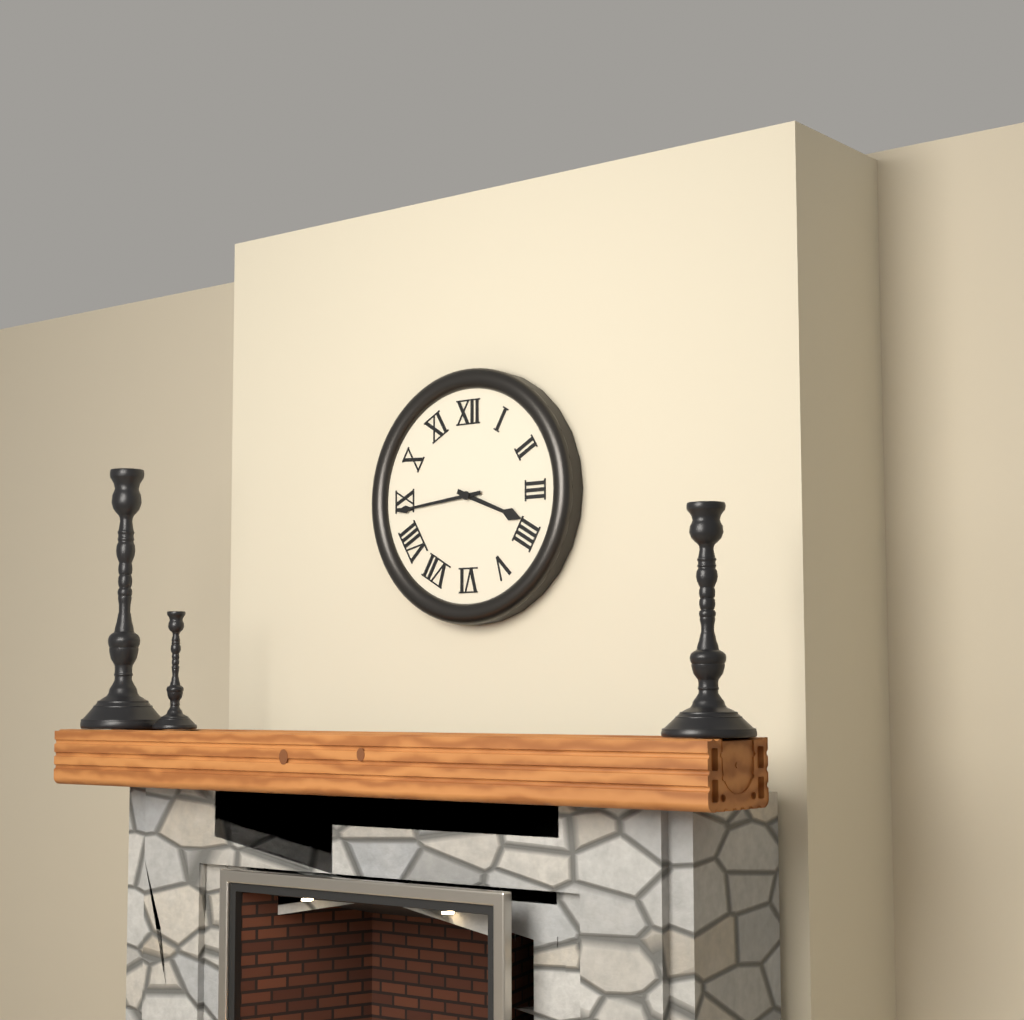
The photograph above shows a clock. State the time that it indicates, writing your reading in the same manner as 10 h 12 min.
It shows 3 h 44 min
